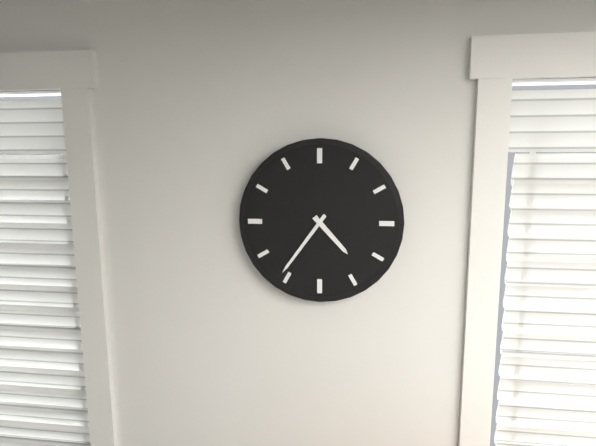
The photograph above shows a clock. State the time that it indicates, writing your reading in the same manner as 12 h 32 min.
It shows 4 h 36 min
